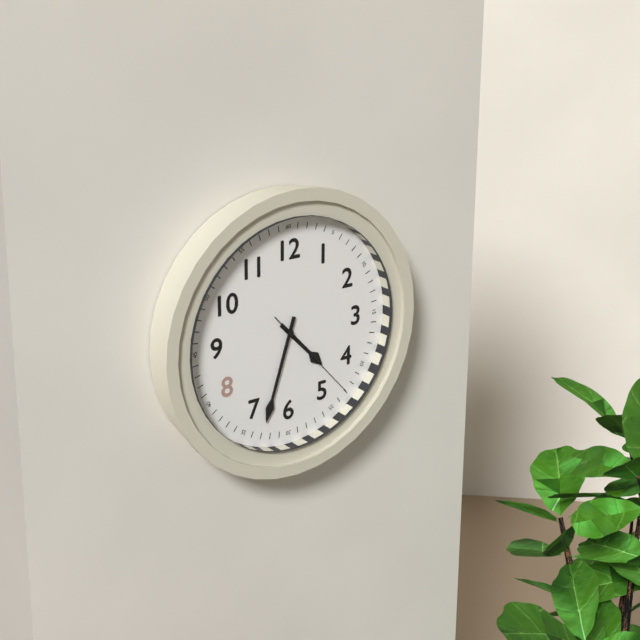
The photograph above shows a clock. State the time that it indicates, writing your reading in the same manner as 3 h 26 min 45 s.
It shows 4 h 33 min 23 s
